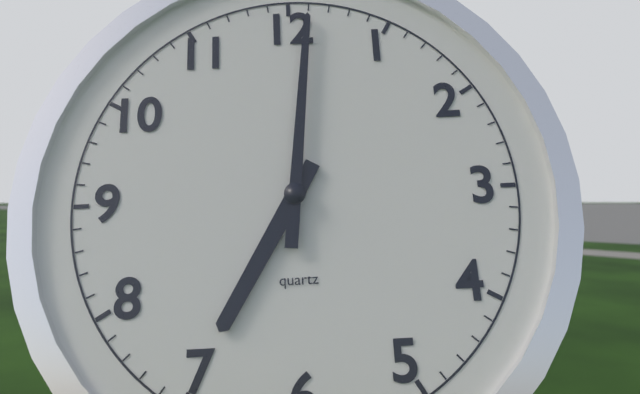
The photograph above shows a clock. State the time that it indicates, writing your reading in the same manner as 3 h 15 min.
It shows 7 h 01 min
